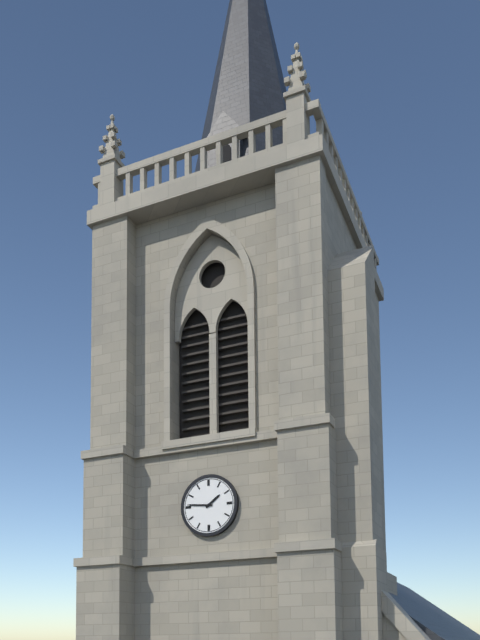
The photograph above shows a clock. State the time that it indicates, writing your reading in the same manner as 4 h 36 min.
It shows 1 h 46 min
